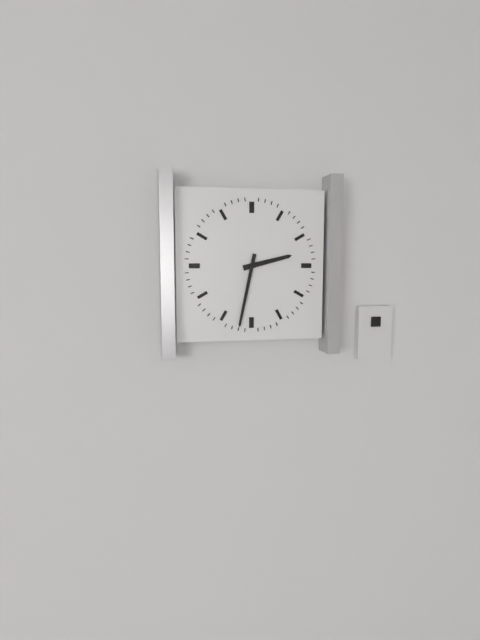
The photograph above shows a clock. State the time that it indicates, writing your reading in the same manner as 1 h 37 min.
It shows 2 h 32 min
